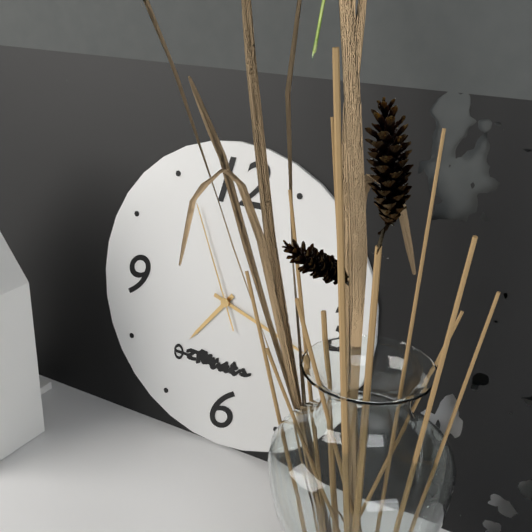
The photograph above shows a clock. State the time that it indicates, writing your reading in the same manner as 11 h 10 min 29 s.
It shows 7 h 18 min 56 s
